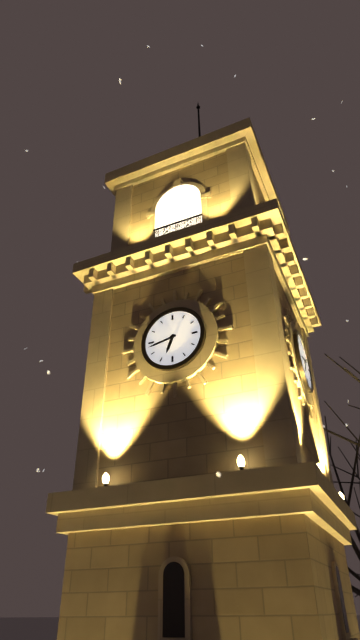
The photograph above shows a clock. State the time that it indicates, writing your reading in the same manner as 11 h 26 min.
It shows 6 h 43 min
